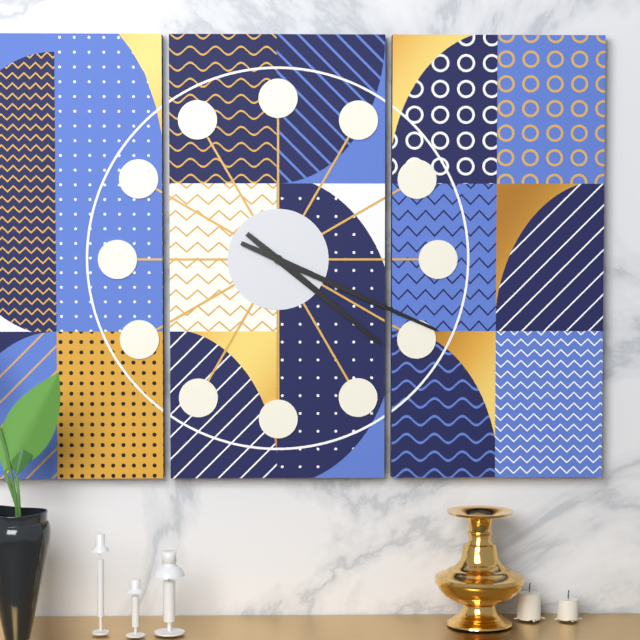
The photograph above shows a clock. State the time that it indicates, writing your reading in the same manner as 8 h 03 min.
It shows 4 h 19 min
